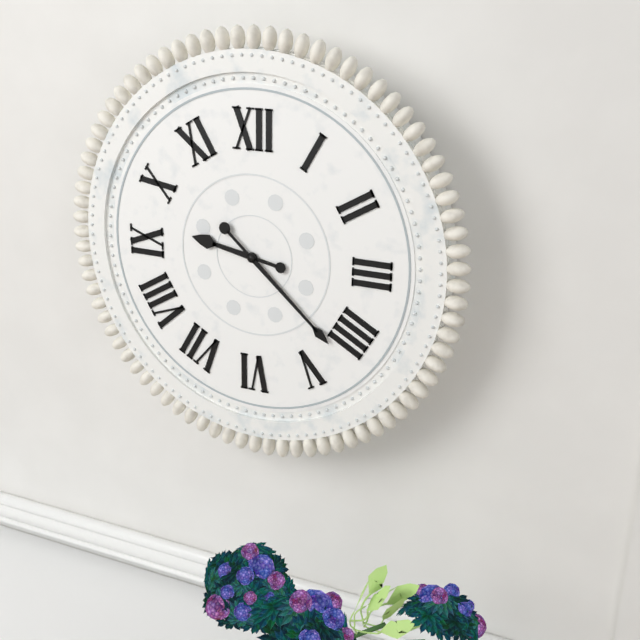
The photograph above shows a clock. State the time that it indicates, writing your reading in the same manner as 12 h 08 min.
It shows 9 h 22 min
